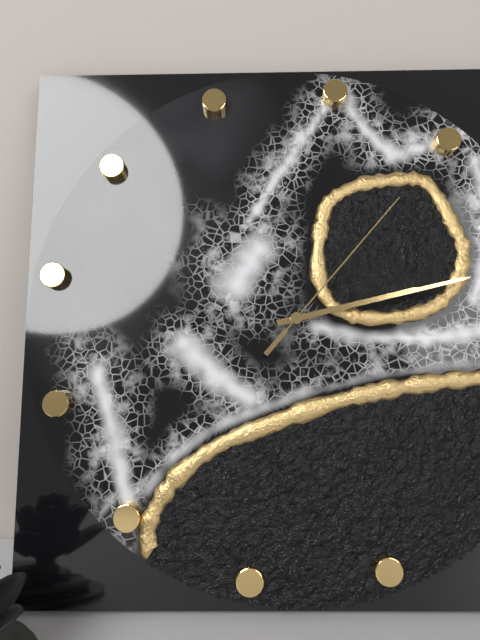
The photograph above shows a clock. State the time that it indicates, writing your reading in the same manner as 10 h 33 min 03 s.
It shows 2 h 11 min 05 s
